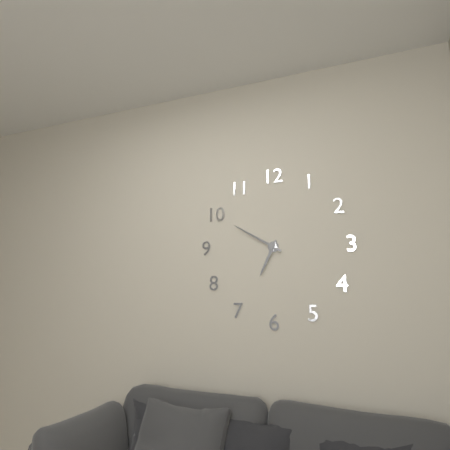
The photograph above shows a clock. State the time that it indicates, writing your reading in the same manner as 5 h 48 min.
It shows 6 h 50 min
